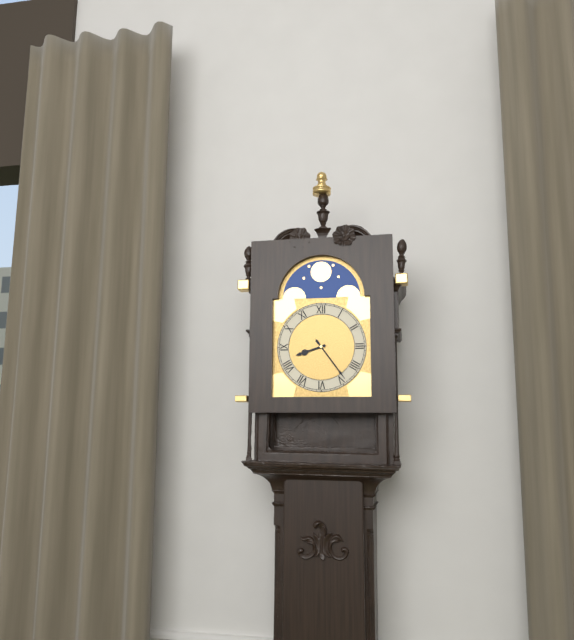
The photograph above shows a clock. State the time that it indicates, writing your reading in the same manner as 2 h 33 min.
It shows 8 h 24 min
